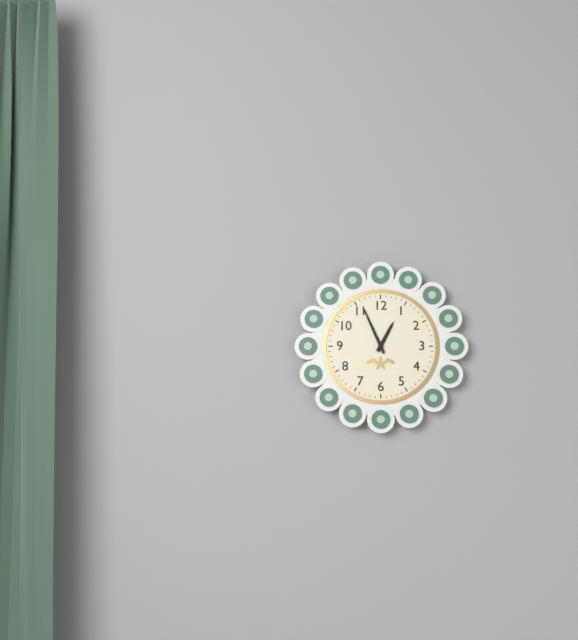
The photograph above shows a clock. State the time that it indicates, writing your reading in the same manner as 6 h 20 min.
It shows 12 h 56 min
